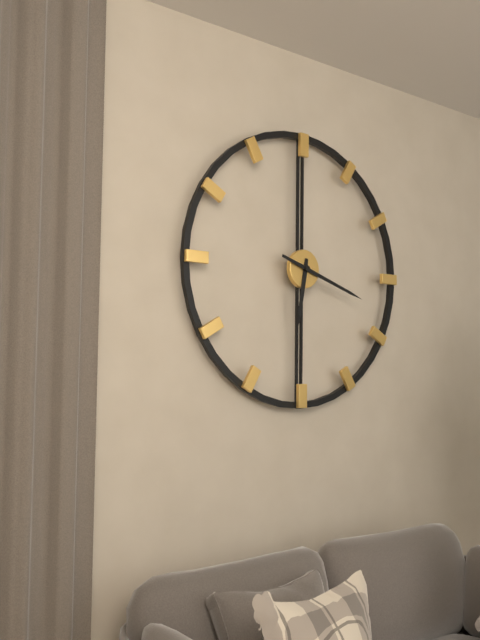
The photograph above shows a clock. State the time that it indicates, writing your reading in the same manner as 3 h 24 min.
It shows 6 h 18 min
